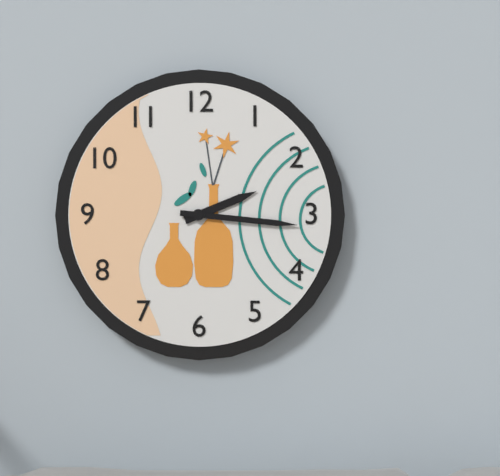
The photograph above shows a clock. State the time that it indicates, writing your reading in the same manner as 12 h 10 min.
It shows 2 h 16 min
